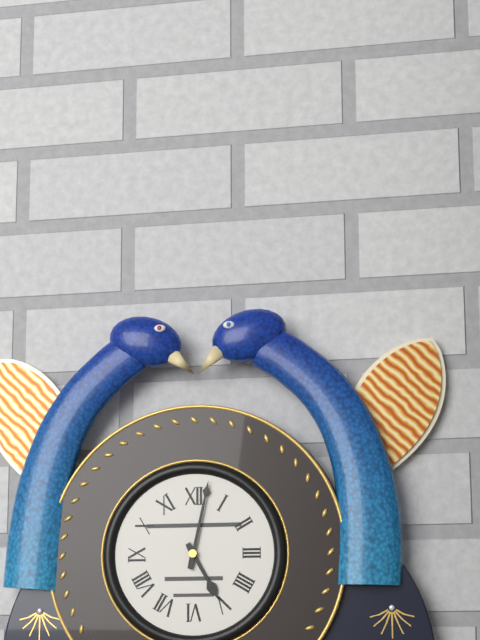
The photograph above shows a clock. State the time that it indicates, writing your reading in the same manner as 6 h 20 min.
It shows 5 h 02 min
